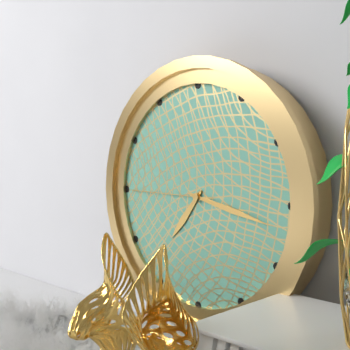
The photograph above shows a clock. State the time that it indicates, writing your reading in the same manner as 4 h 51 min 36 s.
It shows 7 h 17 min 45 s
